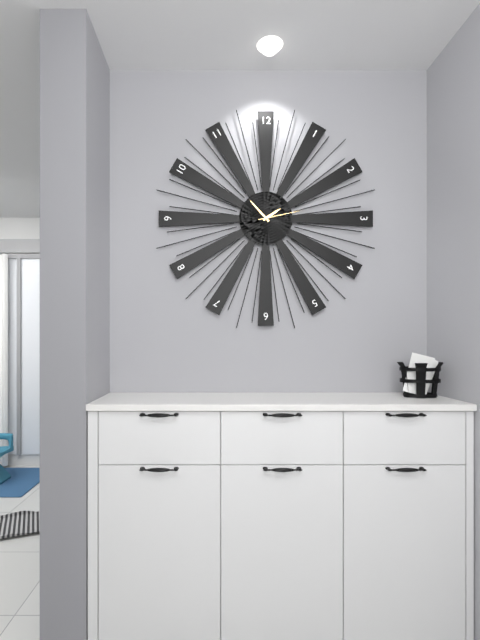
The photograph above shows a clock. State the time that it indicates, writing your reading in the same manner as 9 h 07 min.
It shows 1 h 53 min
